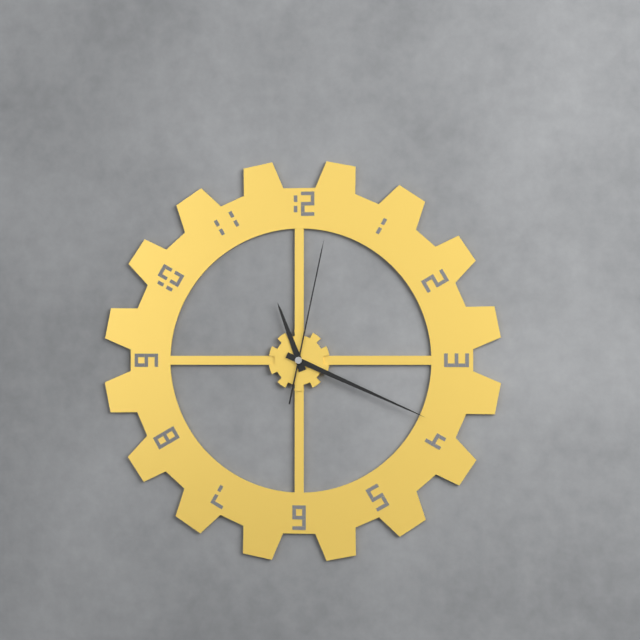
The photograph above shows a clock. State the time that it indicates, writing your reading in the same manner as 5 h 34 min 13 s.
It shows 11 h 19 min 02 s
